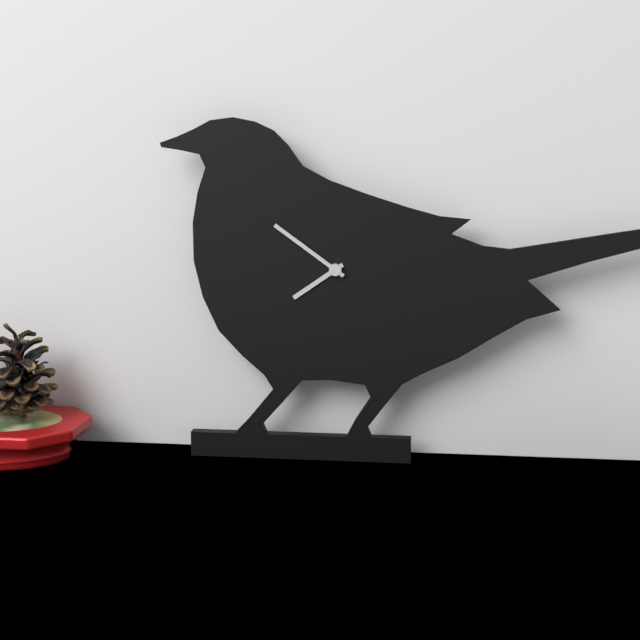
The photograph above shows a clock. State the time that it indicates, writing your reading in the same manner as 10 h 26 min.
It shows 7 h 51 min
